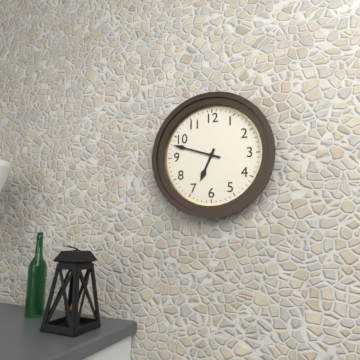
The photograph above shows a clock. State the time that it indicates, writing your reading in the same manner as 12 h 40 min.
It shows 6 h 48 min
